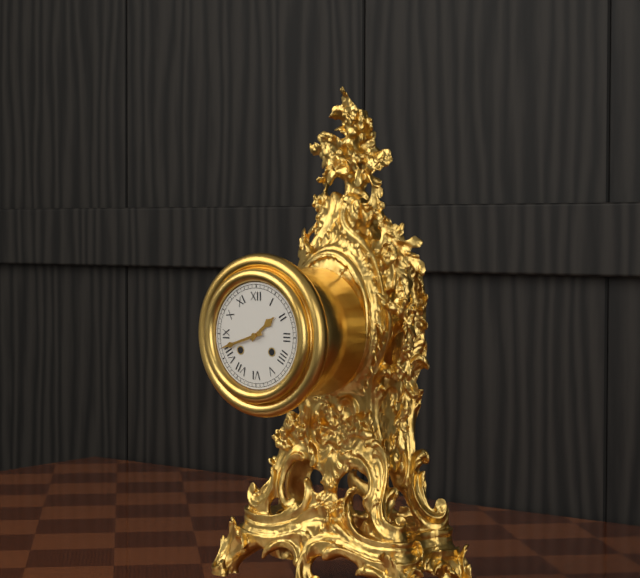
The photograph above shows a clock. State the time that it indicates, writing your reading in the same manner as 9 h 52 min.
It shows 1 h 42 min
